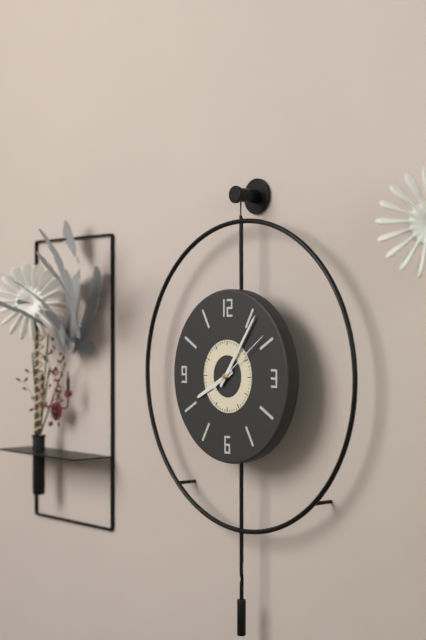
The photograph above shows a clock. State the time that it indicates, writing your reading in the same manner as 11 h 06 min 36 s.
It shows 8 h 06 min 09 s
